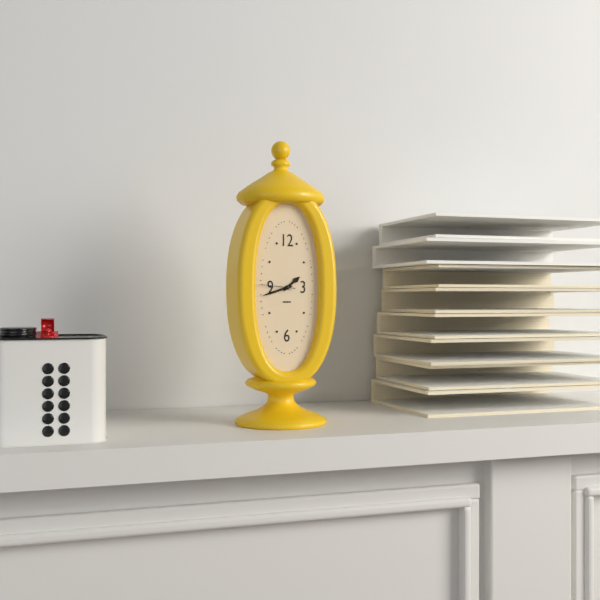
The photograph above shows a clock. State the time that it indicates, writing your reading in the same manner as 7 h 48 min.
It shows 1 h 42 min
